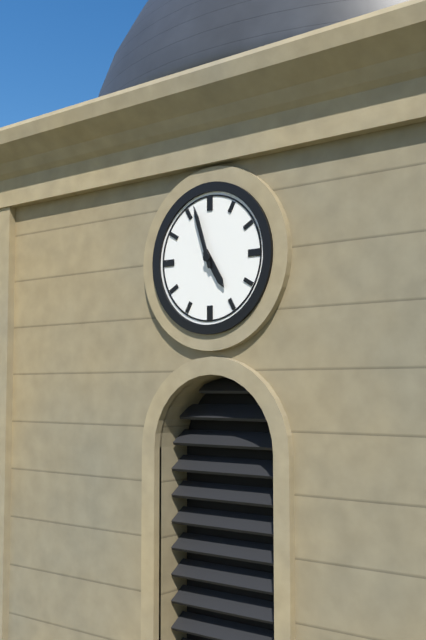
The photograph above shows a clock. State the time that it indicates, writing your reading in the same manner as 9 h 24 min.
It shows 4 h 57 min
